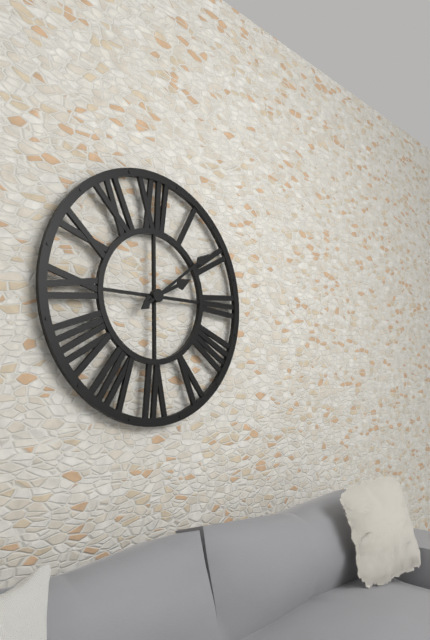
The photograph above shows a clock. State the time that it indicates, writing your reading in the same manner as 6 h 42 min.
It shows 2 h 09 min
